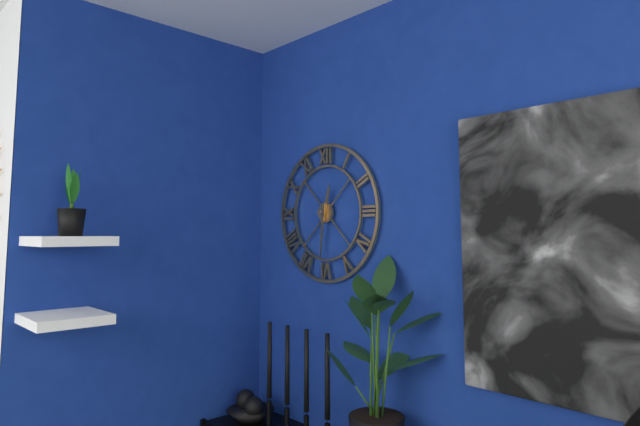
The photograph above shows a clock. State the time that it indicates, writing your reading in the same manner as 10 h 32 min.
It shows 12 h 31 min
